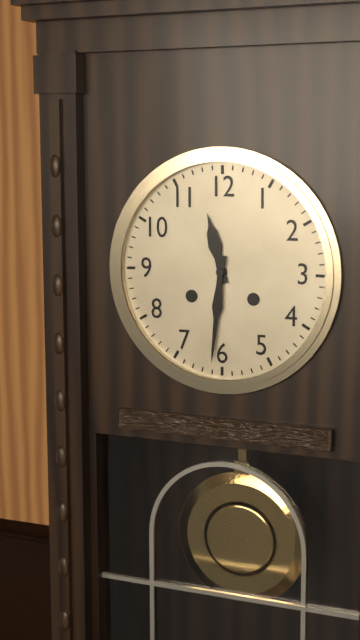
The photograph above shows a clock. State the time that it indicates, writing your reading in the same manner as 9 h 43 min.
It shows 11 h 31 min
